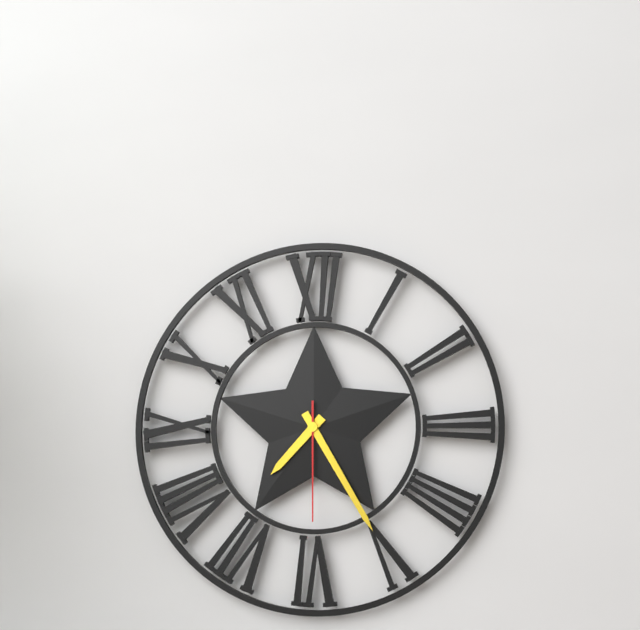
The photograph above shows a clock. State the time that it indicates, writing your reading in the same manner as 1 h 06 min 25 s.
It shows 7 h 25 min 30 s
